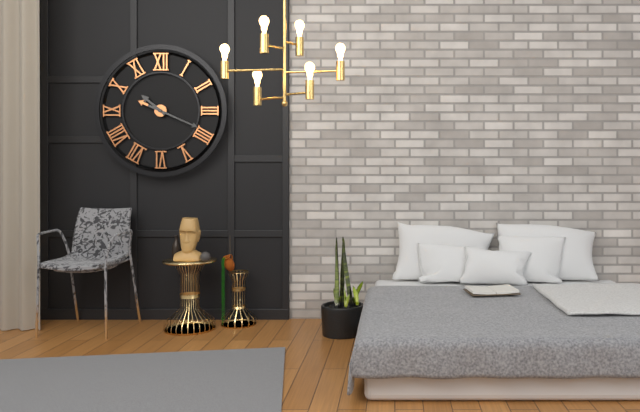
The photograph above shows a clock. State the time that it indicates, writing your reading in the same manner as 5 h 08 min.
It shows 10 h 19 min
